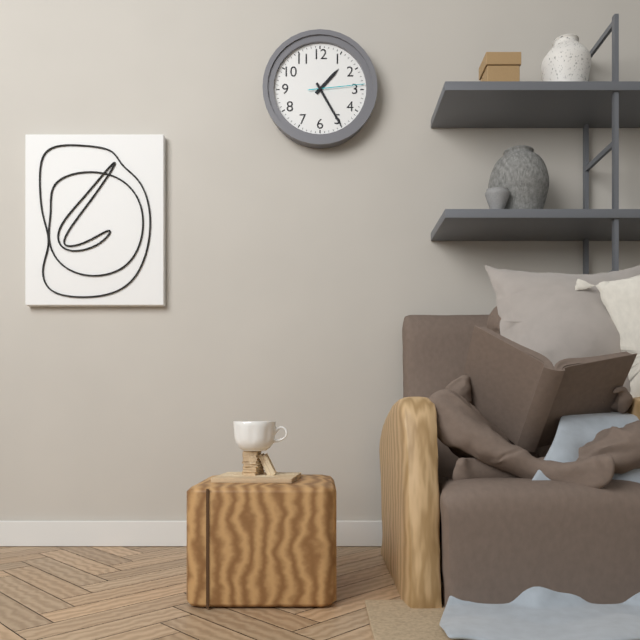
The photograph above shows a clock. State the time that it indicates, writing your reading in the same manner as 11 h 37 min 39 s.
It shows 1 h 25 min 14 s
